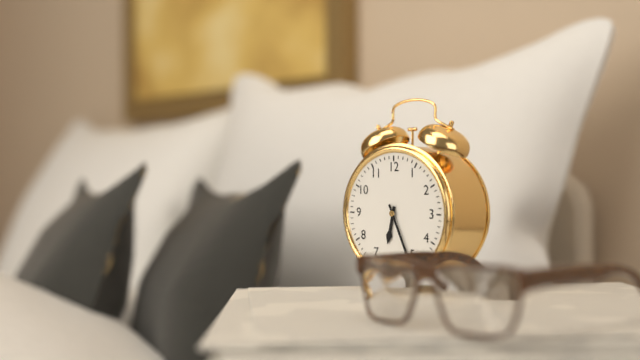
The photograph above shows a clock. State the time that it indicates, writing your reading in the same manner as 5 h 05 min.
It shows 6 h 26 min
